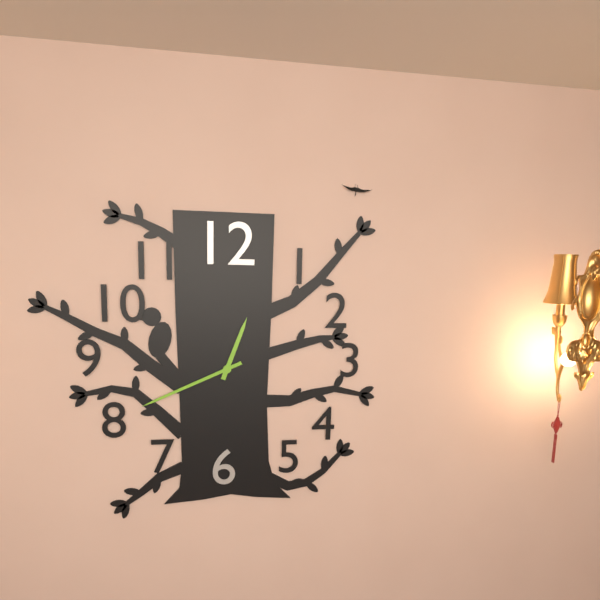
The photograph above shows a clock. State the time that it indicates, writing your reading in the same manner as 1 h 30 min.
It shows 12 h 41 min
